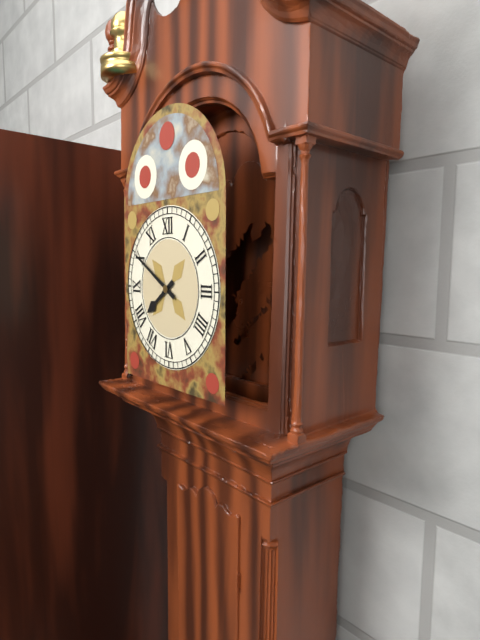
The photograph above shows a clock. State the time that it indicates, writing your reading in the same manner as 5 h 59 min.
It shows 7 h 50 min
